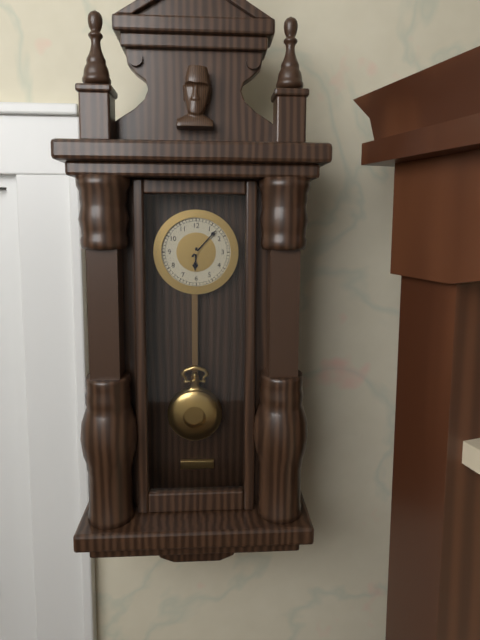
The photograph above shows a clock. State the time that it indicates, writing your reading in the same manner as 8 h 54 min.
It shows 6 h 07 min
